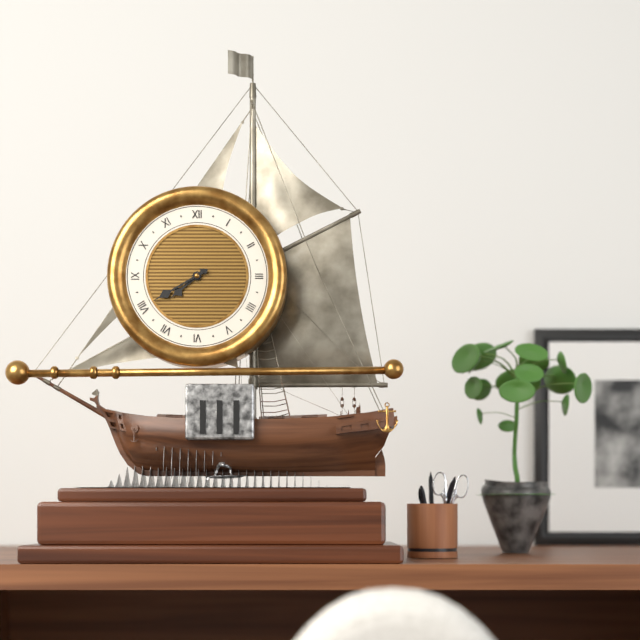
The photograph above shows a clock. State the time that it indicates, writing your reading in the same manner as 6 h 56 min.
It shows 7 h 40 min
